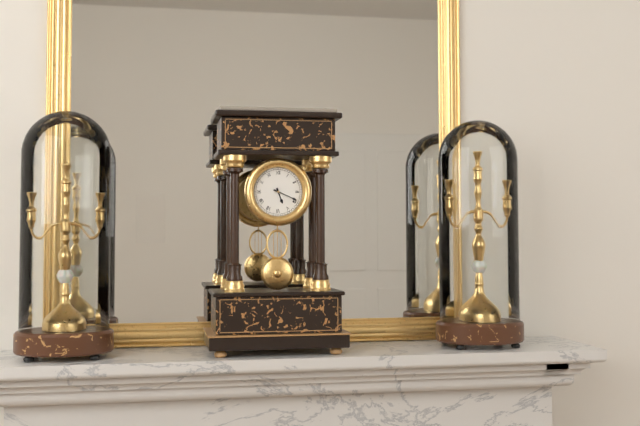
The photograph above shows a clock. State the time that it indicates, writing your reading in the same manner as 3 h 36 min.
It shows 5 h 19 min
